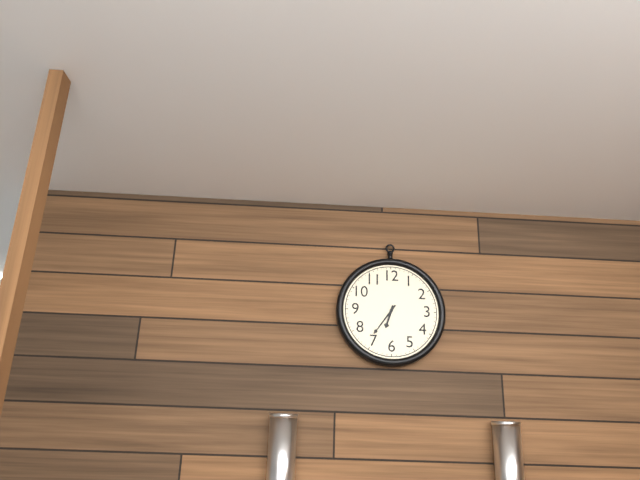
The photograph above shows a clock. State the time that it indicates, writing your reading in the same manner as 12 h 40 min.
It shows 6 h 36 min
